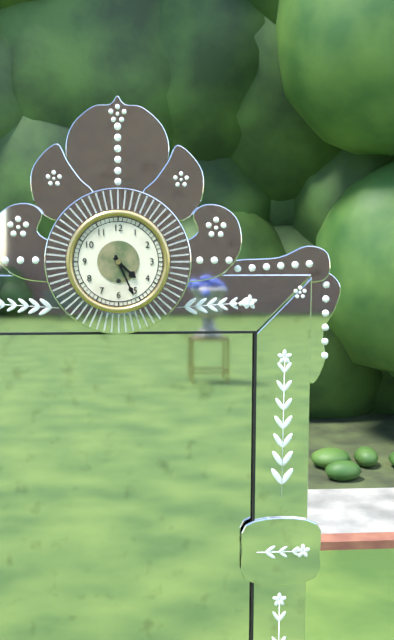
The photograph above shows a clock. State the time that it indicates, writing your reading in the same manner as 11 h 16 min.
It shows 4 h 26 min
